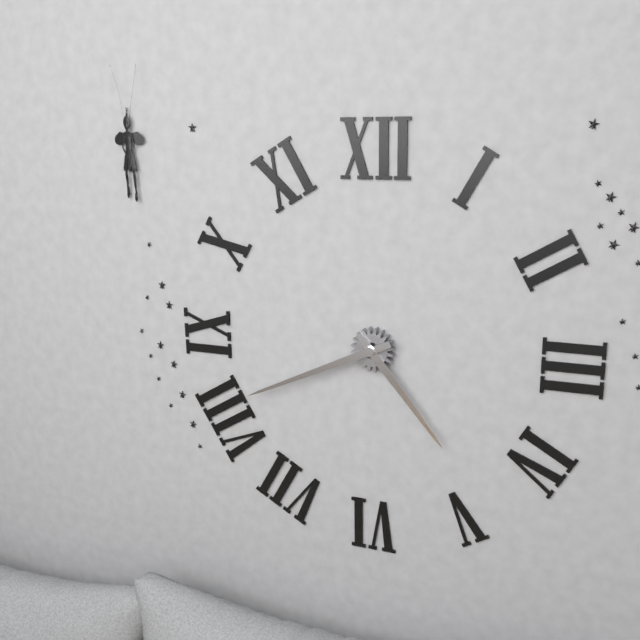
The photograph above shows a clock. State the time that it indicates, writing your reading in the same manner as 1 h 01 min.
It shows 4 h 41 min
